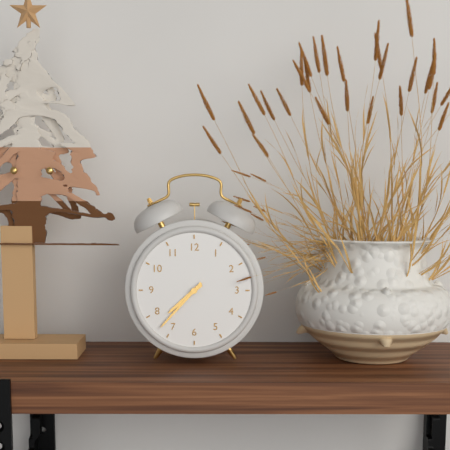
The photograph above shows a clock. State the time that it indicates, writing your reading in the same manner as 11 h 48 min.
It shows 7 h 37 min
